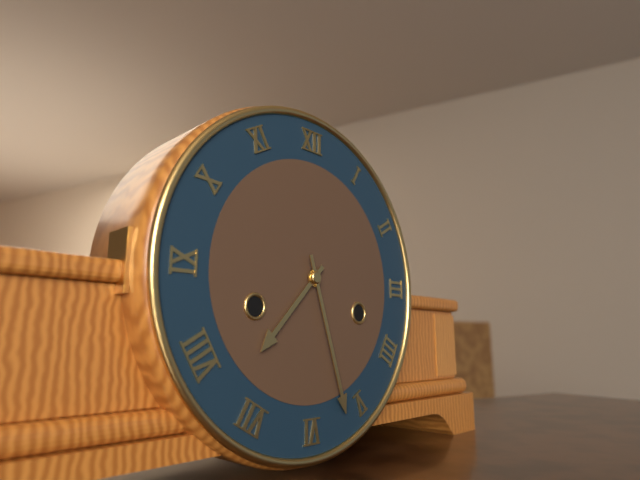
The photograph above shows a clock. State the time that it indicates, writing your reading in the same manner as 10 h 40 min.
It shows 7 h 27 min
